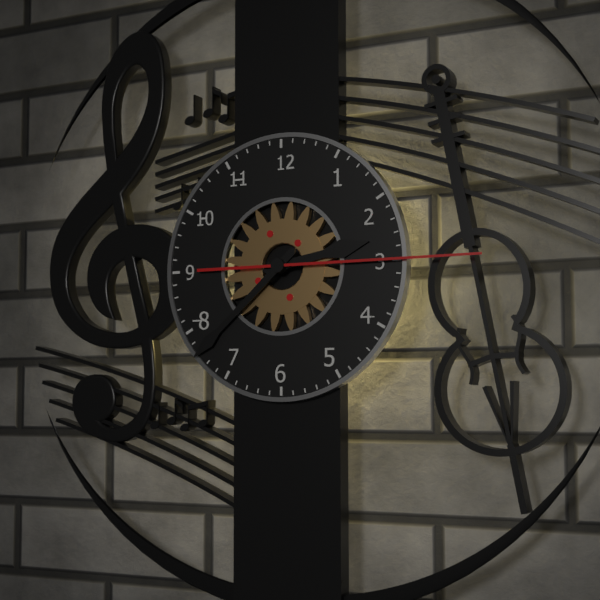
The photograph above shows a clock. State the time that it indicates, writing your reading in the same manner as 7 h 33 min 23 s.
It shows 2 h 38 min 15 s
